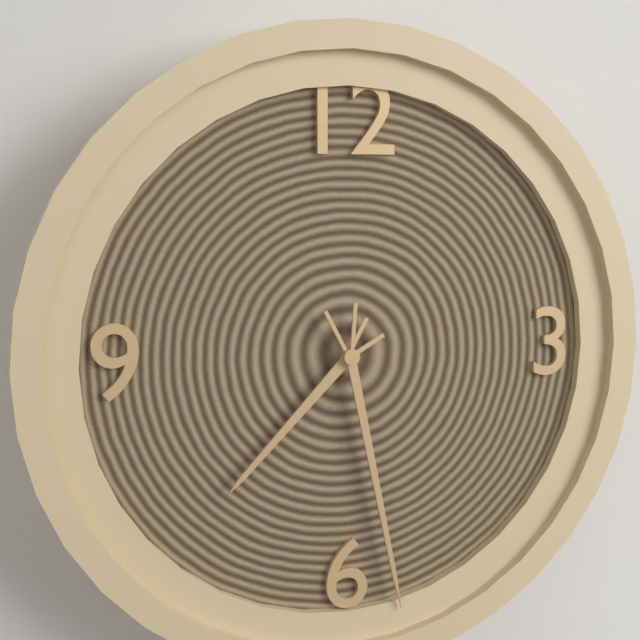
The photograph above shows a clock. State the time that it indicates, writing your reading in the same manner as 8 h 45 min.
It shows 7 h 28 min
